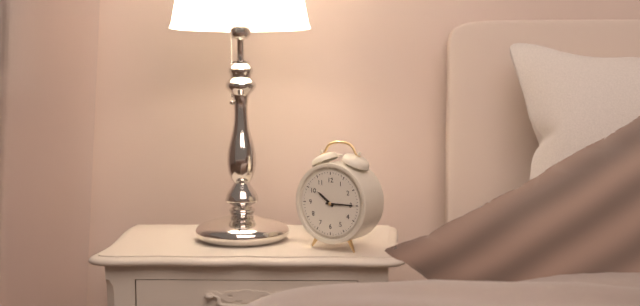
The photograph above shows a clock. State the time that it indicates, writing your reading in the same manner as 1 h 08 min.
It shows 10 h 15 min
